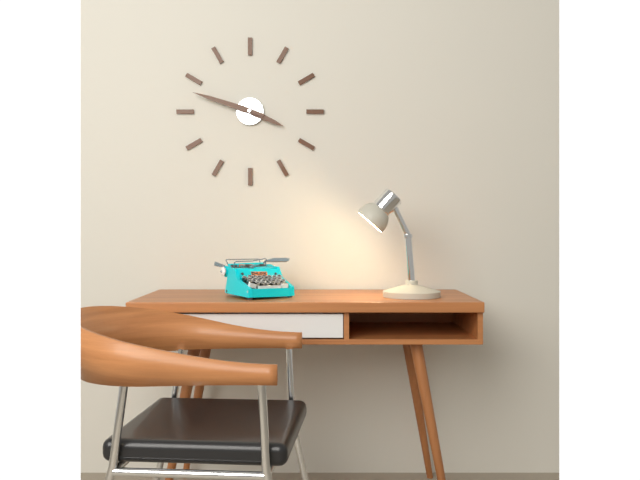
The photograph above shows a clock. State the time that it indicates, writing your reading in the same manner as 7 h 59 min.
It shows 3 h 48 min
